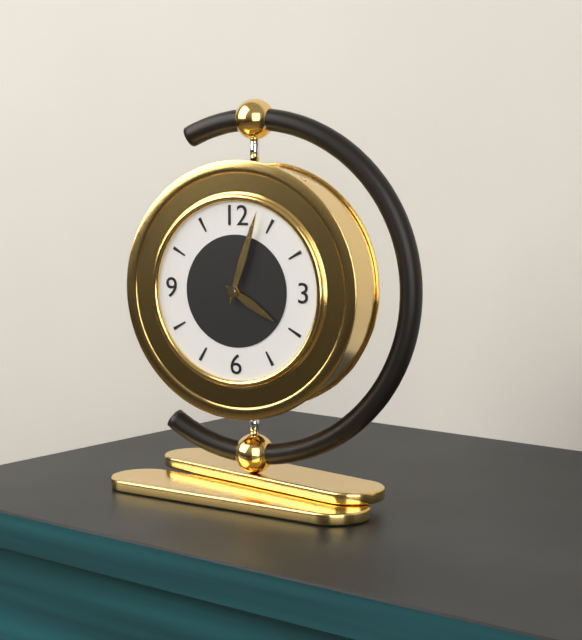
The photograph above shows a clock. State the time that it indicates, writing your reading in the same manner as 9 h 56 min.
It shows 4 h 03 min
